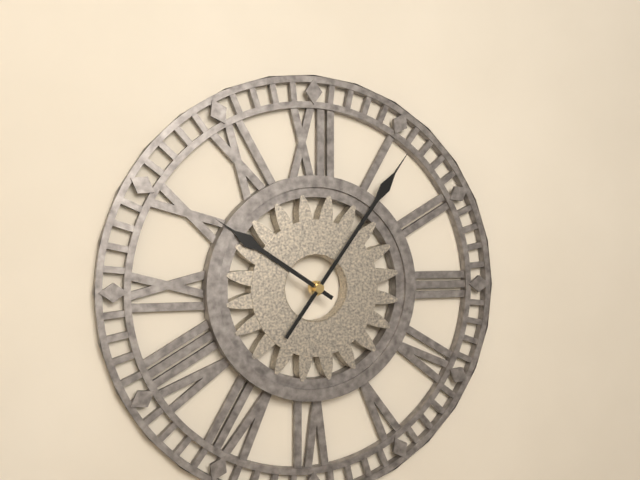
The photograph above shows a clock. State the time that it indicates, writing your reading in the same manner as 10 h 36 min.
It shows 10 h 06 min
